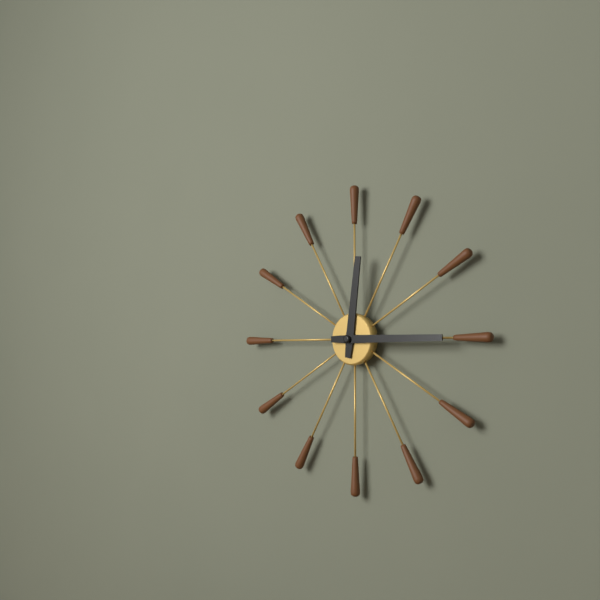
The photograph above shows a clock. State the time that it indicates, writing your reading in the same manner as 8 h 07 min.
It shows 12 h 15 min
